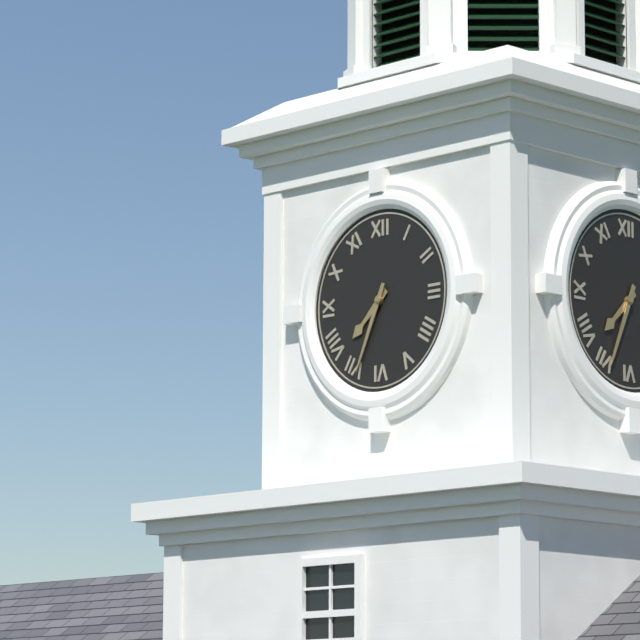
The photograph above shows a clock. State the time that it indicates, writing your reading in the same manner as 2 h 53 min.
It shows 7 h 34 min
